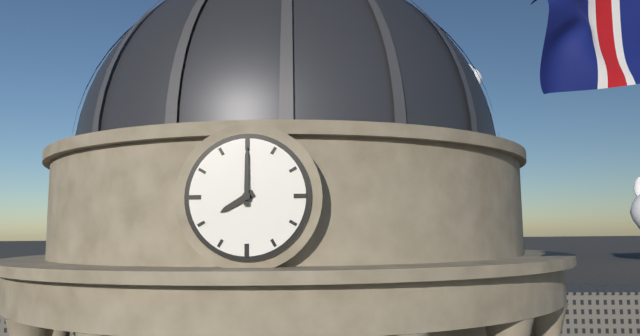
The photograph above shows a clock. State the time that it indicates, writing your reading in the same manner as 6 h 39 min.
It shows 8 h 00 min
